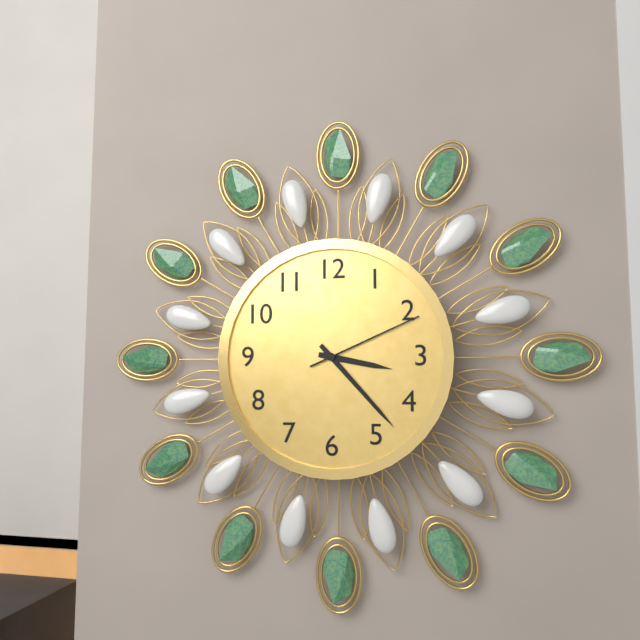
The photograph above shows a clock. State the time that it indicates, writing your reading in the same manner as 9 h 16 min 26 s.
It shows 3 h 23 min 11 s
